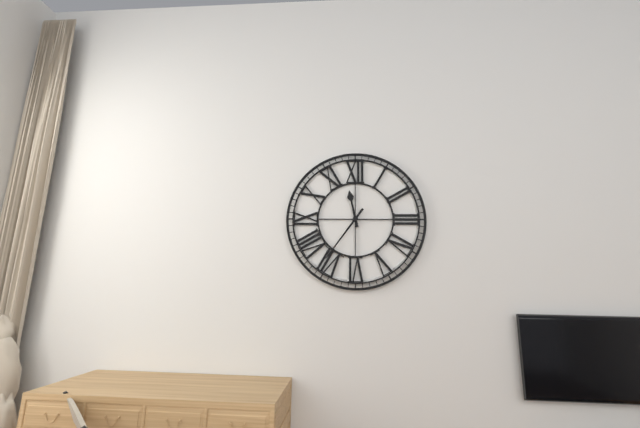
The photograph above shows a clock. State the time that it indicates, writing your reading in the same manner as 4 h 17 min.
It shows 11 h 36 min
